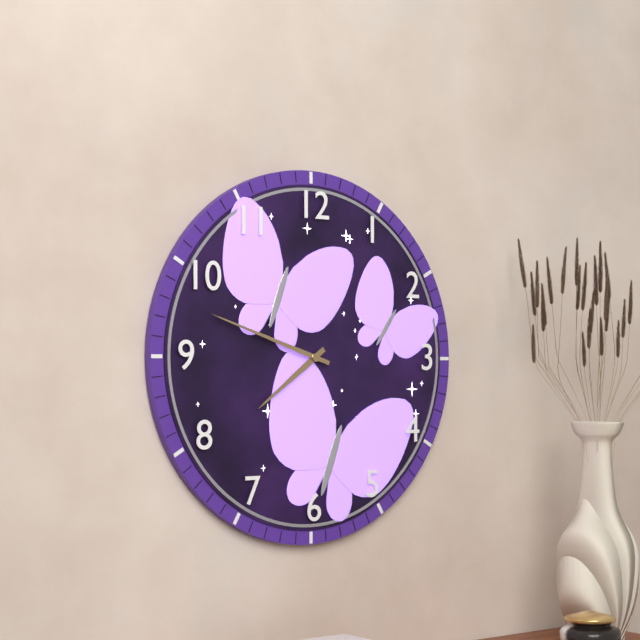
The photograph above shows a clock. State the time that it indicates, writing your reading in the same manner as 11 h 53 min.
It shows 7 h 48 min
